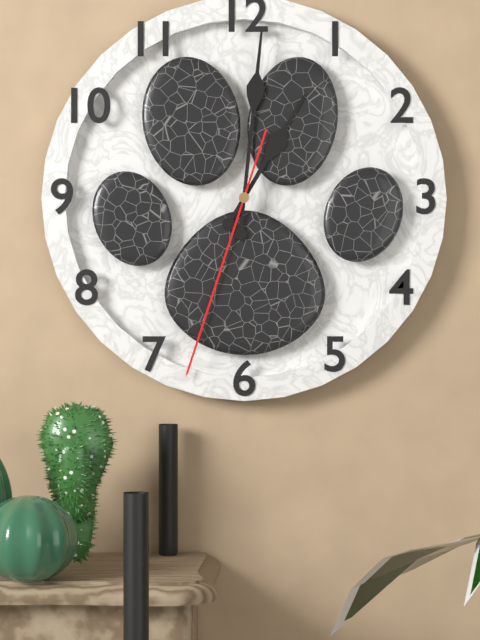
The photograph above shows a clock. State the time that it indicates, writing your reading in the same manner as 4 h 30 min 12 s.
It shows 1 h 01 min 33 s
